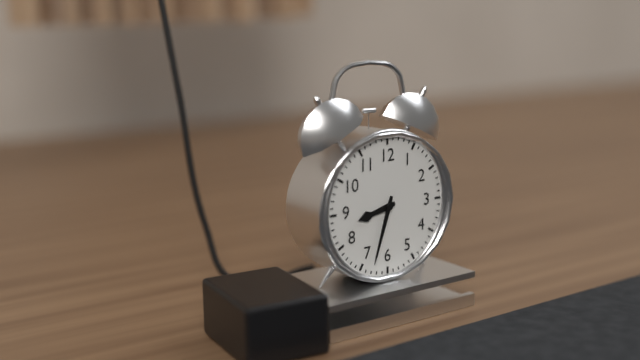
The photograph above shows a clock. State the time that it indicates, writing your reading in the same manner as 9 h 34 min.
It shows 8 h 33 min
